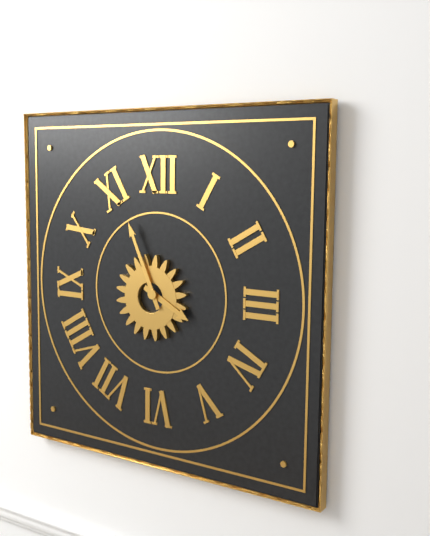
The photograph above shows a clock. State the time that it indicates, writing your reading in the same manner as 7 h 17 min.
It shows 3 h 56 min
